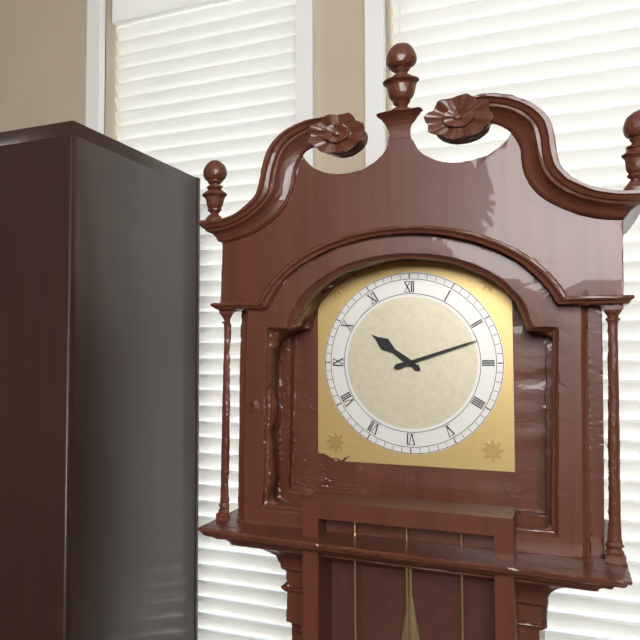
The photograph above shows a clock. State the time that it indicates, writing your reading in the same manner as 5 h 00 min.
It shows 10 h 12 min
